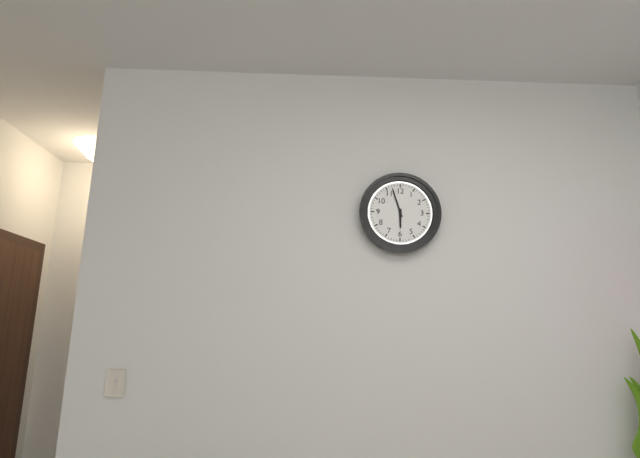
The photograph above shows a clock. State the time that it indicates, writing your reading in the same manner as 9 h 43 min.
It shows 5 h 57 min
